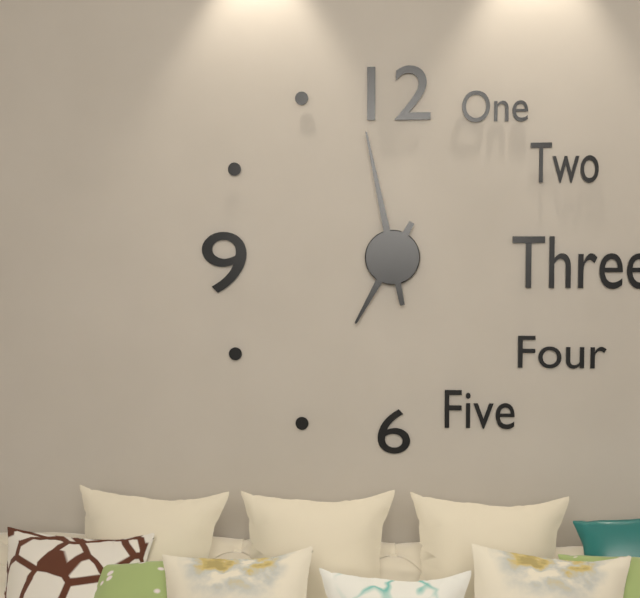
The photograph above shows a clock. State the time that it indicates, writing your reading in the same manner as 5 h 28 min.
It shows 6 h 58 min
